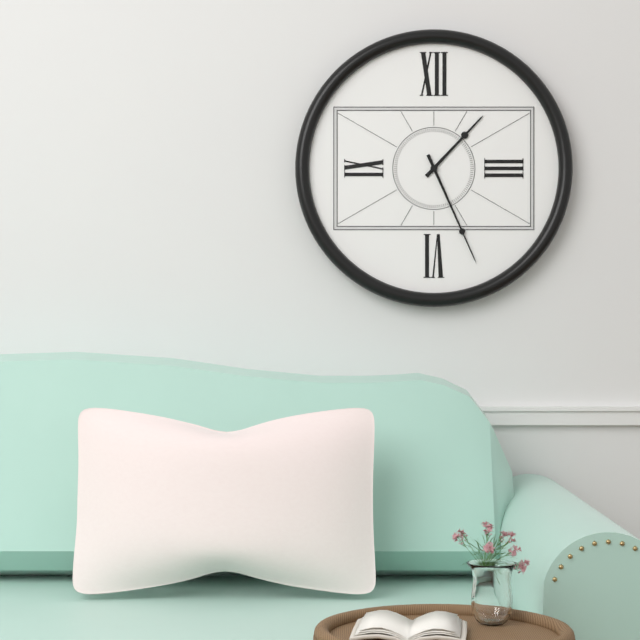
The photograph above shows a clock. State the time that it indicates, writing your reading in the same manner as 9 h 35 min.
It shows 1 h 26 min
